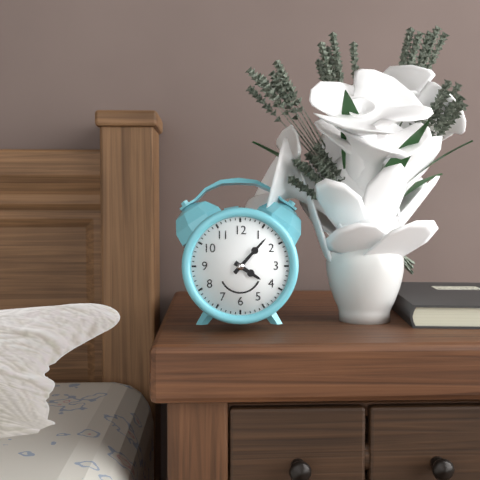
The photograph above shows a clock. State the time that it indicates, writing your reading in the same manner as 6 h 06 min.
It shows 4 h 07 min
